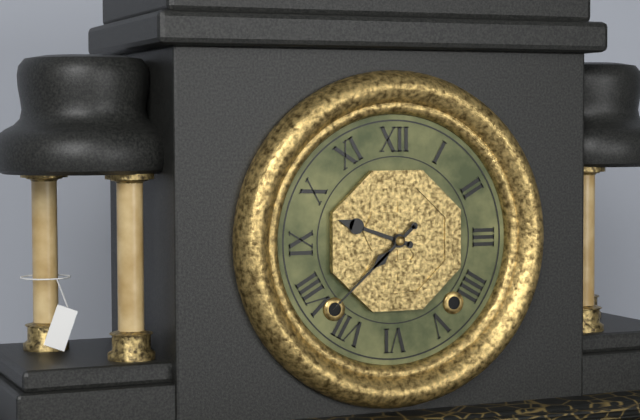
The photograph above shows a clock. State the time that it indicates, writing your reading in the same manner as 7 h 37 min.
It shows 9 h 38 min
